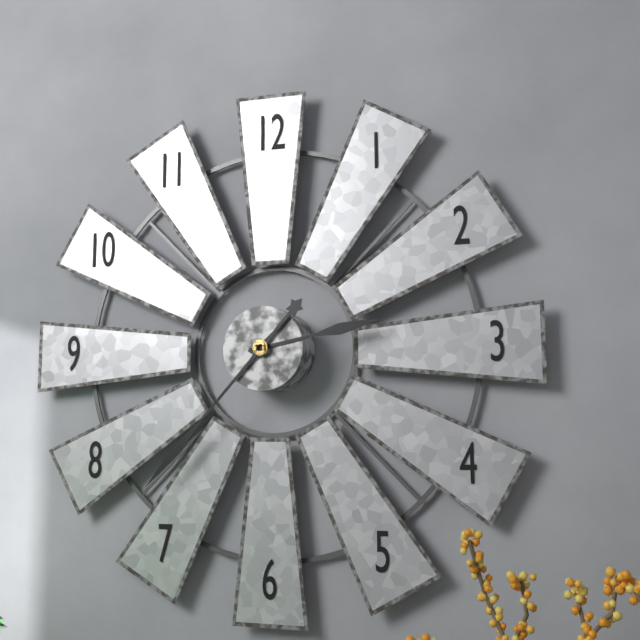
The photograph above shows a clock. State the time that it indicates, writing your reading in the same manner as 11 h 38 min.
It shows 2 h 37 min
